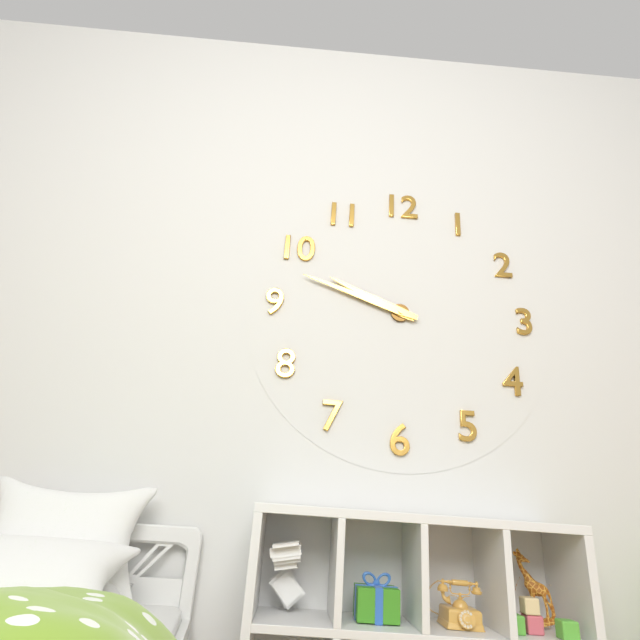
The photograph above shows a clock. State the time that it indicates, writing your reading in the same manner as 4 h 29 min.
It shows 9 h 48 min
